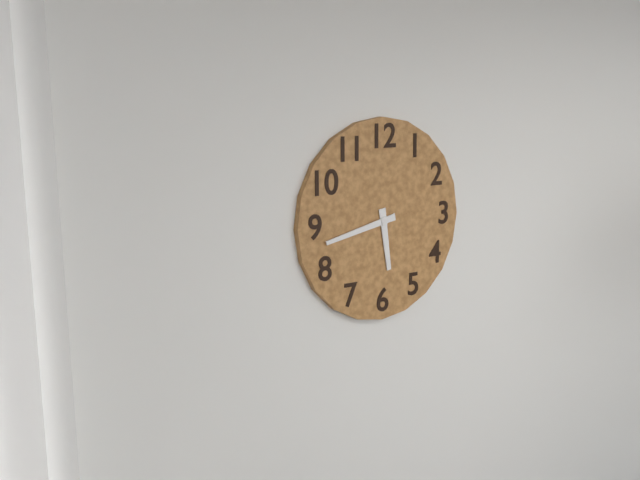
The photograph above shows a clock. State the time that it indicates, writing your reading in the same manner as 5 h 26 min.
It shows 5 h 43 min
